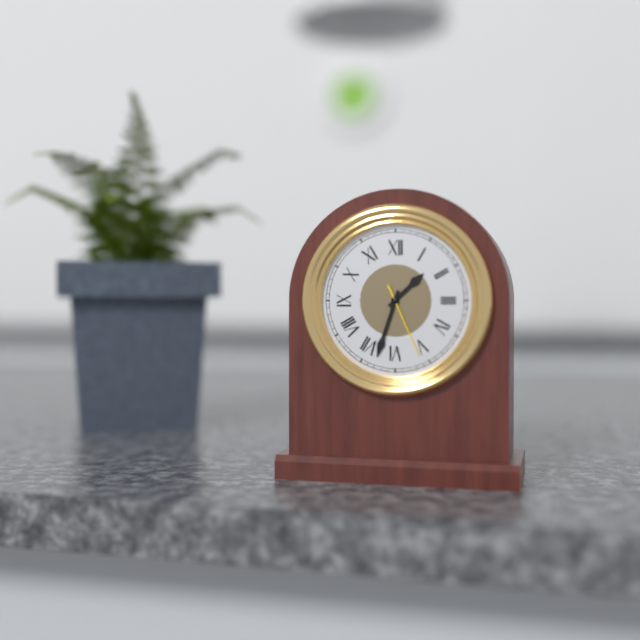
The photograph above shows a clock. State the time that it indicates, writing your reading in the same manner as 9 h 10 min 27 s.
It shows 1 h 33 min 26 s
